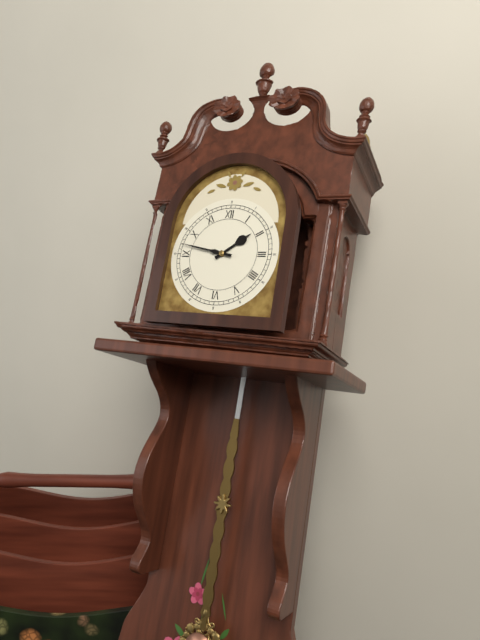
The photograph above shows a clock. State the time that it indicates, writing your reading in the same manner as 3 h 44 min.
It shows 1 h 47 min
